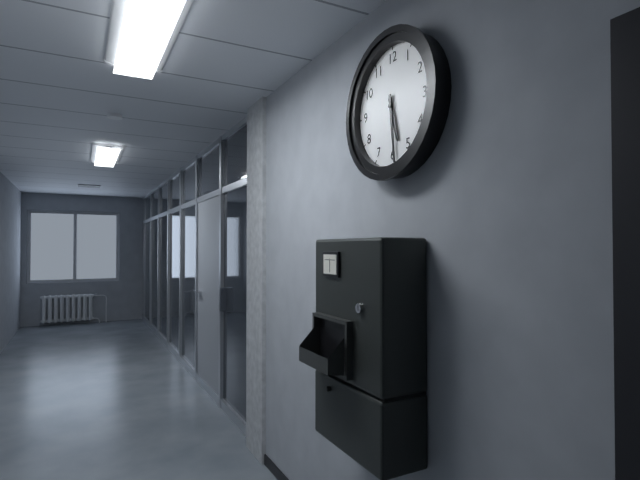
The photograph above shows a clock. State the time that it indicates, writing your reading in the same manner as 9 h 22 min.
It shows 5 h 29 min
